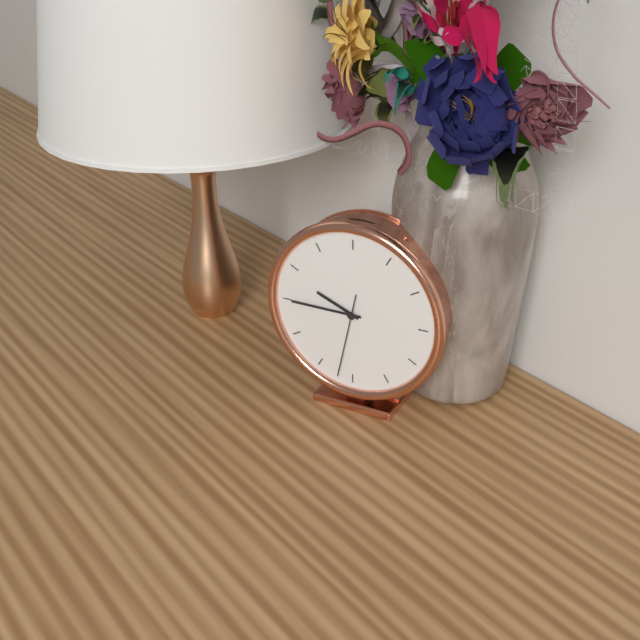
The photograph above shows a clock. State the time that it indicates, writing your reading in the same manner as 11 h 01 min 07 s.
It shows 9 h 45 min 32 s
